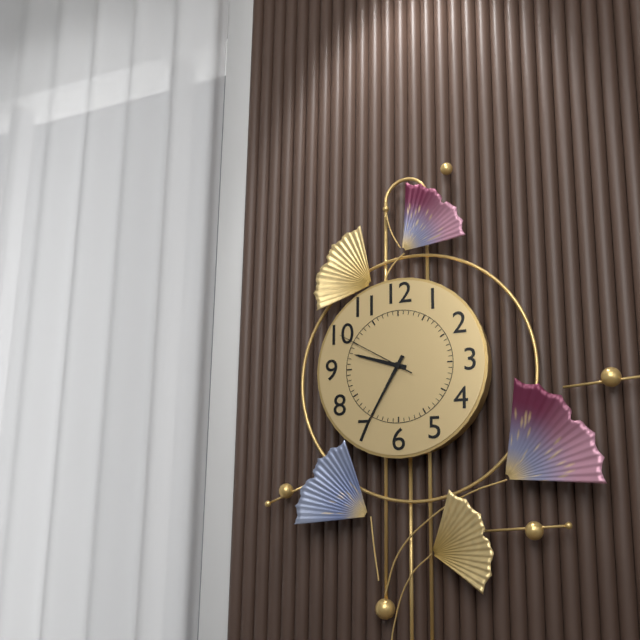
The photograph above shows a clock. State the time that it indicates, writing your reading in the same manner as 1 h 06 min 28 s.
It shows 9 h 35 min 50 s
